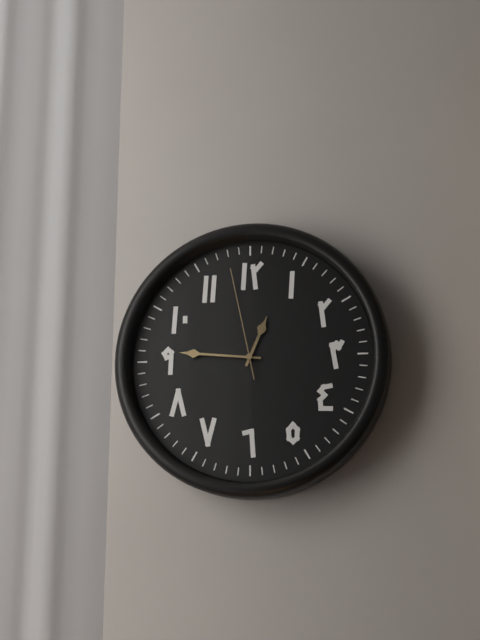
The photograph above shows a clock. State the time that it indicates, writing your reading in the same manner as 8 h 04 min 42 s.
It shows 12 h 46 min 58 s
